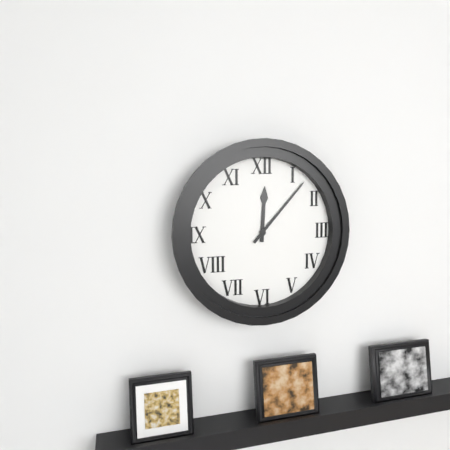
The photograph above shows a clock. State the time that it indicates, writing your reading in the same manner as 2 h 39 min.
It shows 12 h 07 min
